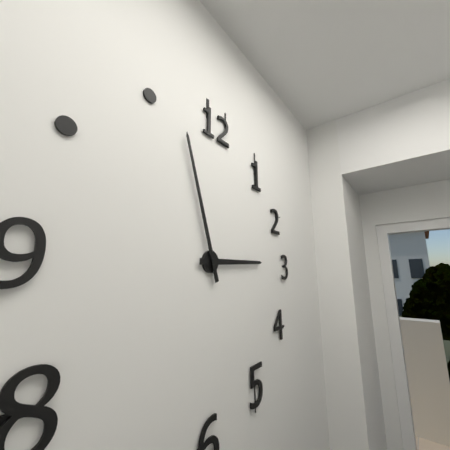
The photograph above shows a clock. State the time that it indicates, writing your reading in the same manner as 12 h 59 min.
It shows 2 h 57 min
